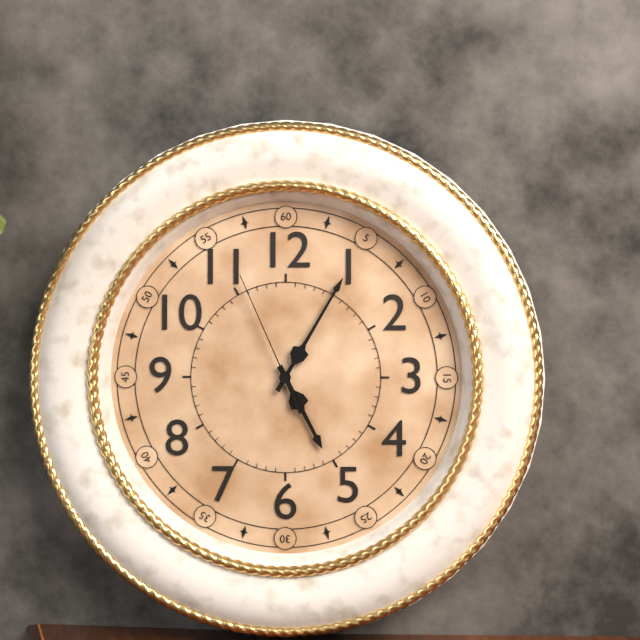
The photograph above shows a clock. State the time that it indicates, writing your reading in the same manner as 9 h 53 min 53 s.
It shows 5 h 05 min 56 s
